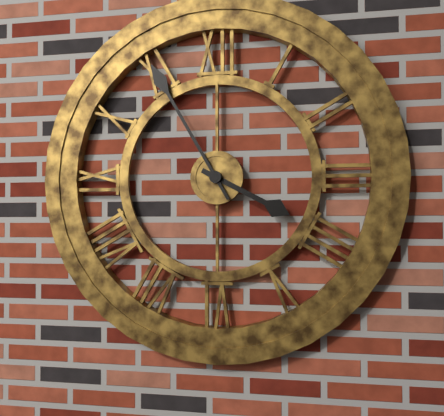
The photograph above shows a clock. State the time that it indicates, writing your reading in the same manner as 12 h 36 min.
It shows 3 h 55 min
